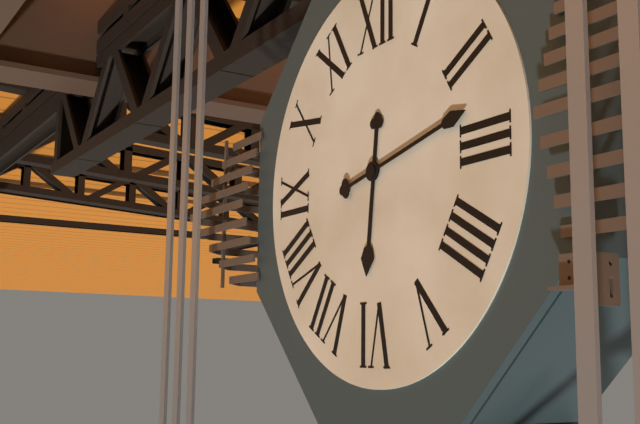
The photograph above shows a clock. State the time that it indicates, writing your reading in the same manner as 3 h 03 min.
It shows 6 h 13 min
